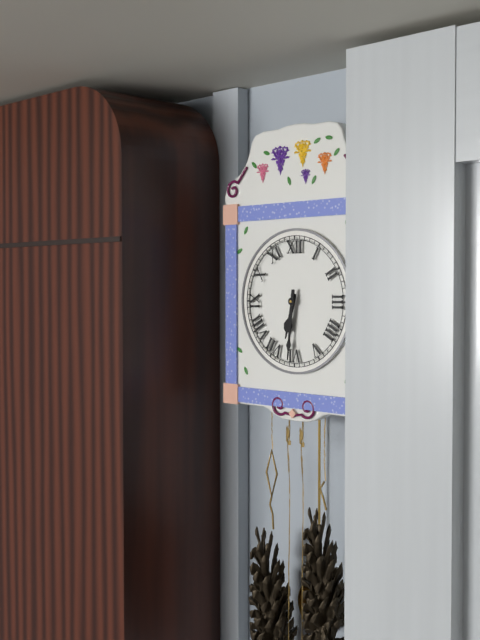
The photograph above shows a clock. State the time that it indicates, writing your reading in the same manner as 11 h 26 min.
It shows 6 h 31 min
